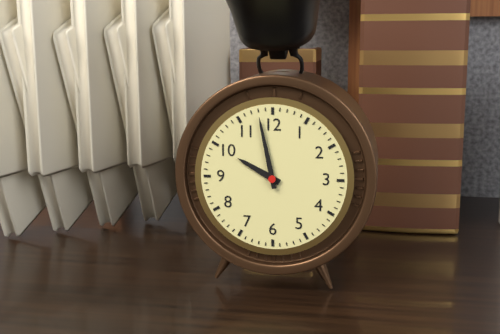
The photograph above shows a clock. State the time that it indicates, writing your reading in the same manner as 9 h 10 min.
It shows 9 h 58 min
